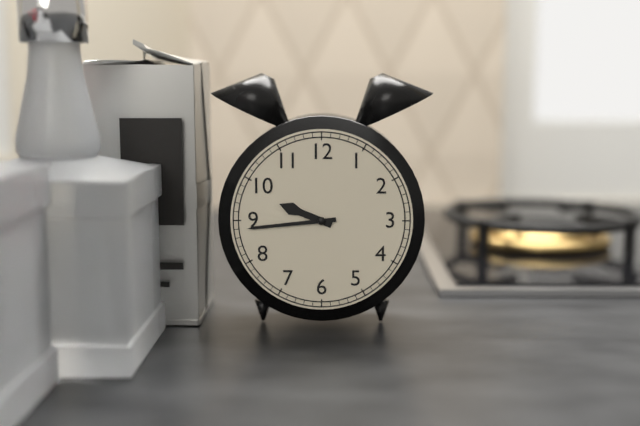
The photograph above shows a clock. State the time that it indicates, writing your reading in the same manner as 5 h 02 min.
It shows 9 h 44 min
